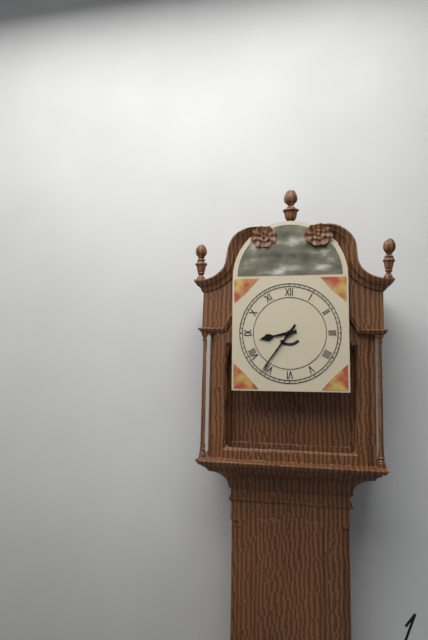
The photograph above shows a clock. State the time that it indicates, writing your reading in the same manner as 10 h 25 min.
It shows 8 h 36 min
